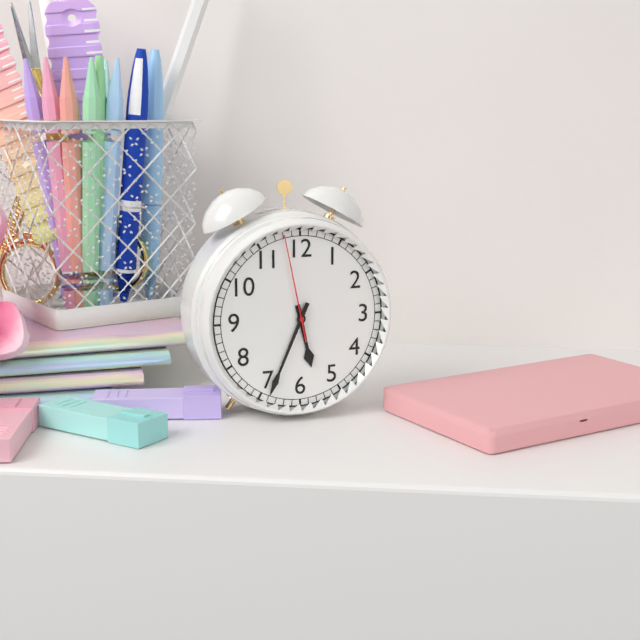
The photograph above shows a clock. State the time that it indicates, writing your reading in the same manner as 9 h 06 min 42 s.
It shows 5 h 34 min 58 s
